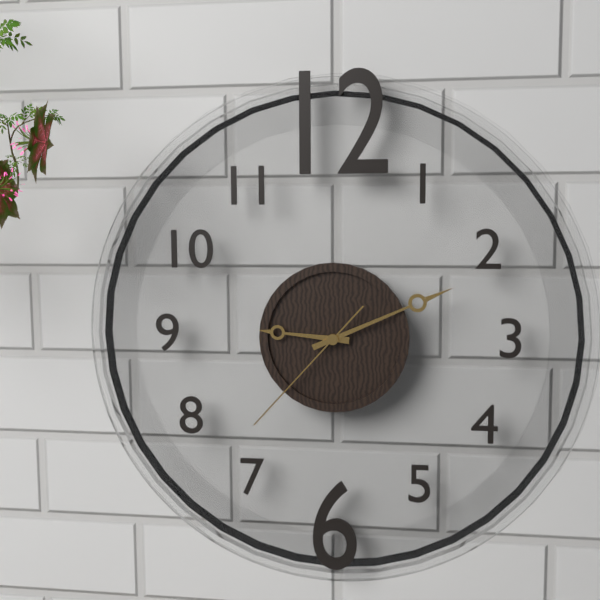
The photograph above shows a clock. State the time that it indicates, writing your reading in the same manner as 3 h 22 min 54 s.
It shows 9 h 11 min 37 s
